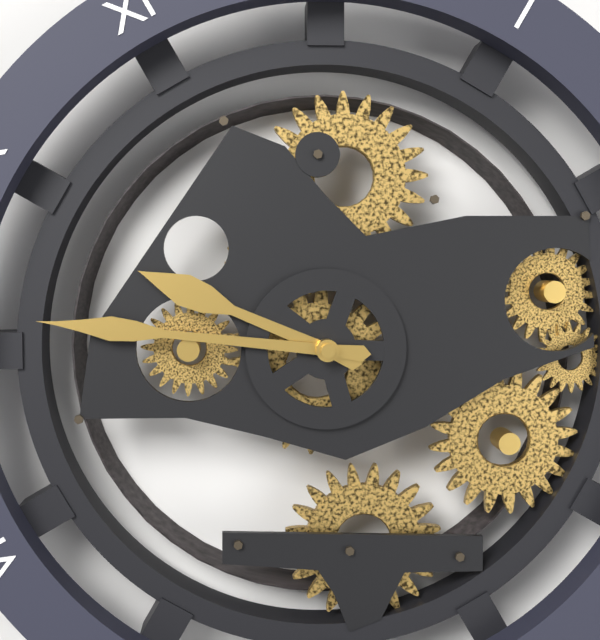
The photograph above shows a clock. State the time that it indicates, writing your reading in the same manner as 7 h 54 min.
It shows 9 h 46 min
